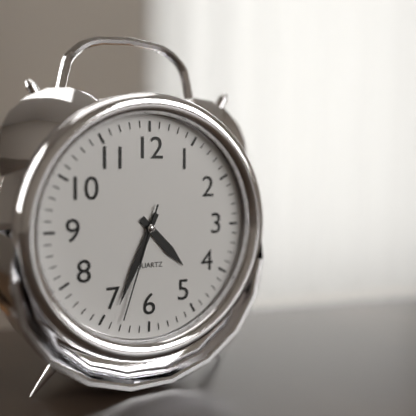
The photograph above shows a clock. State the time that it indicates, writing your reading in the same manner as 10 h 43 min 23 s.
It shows 4 h 34 min 33 s
